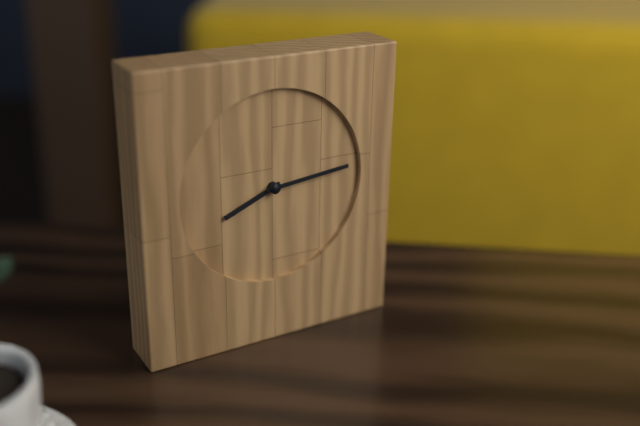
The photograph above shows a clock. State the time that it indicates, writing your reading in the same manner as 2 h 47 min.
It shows 8 h 14 min
